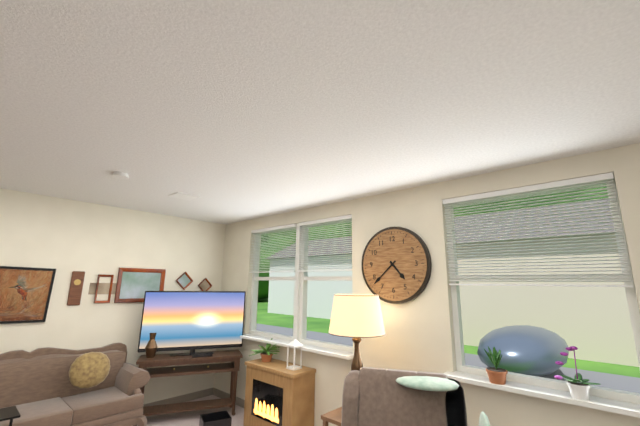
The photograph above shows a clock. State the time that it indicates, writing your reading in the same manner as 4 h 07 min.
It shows 4 h 38 min
